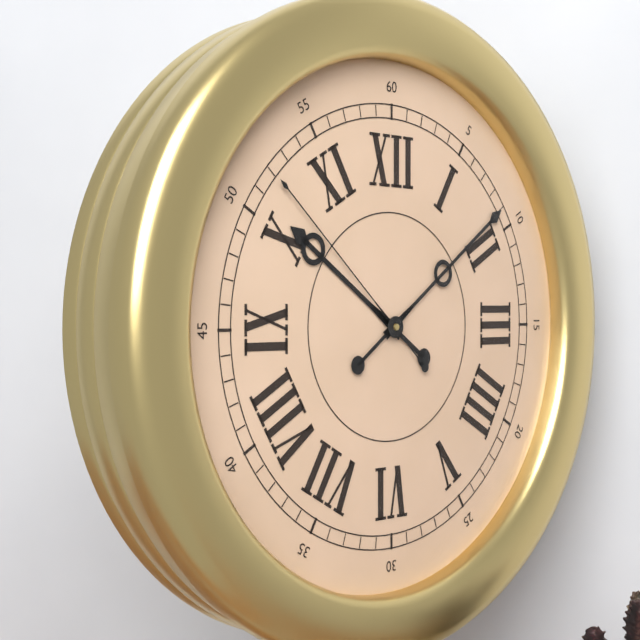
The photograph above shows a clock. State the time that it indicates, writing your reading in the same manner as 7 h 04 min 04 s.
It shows 10 h 09 min 52 s
